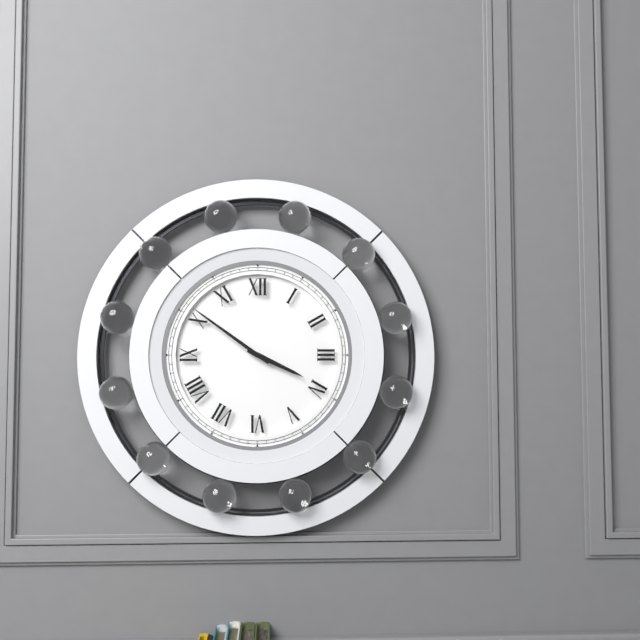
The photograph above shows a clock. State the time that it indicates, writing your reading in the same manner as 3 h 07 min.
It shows 3 h 51 min
